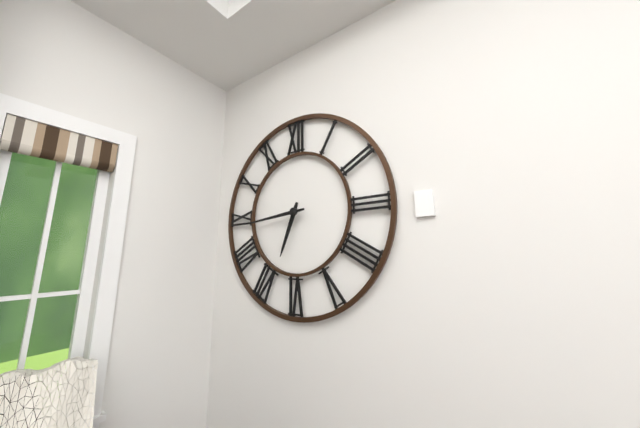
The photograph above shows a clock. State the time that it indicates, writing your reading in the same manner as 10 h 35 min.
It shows 6 h 44 min
